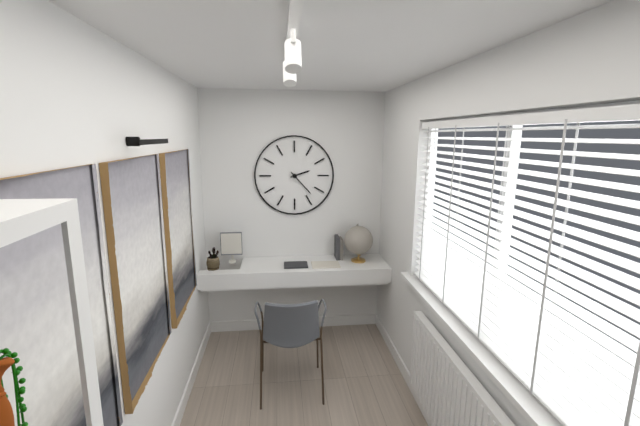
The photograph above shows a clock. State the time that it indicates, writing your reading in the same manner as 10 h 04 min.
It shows 2 h 23 min
